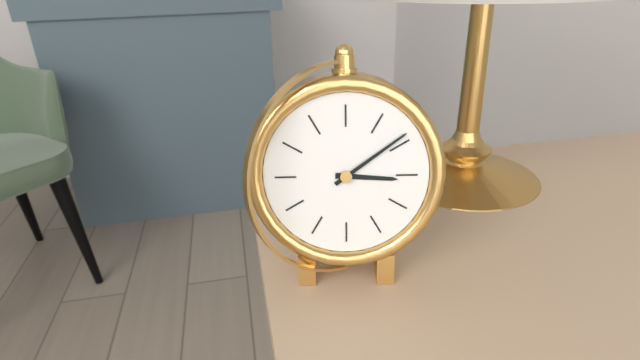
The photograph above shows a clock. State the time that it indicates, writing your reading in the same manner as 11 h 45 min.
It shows 3 h 09 min
